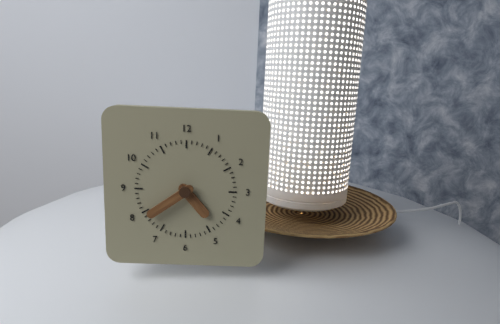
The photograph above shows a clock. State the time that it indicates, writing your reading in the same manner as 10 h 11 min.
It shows 4 h 39 min
